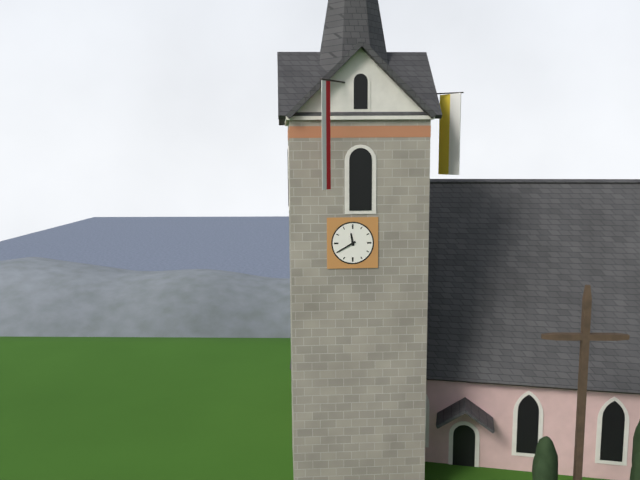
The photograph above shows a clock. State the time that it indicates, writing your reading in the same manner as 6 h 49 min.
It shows 11 h 40 min
